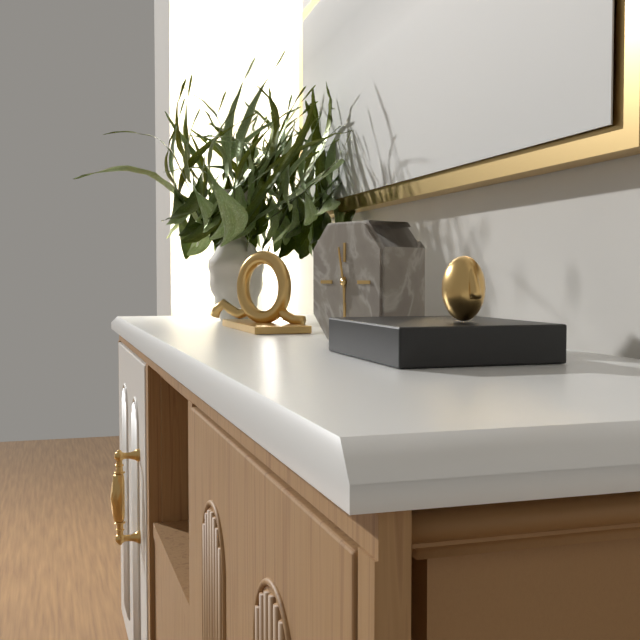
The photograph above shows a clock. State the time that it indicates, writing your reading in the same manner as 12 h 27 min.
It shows 5 h 58 min
